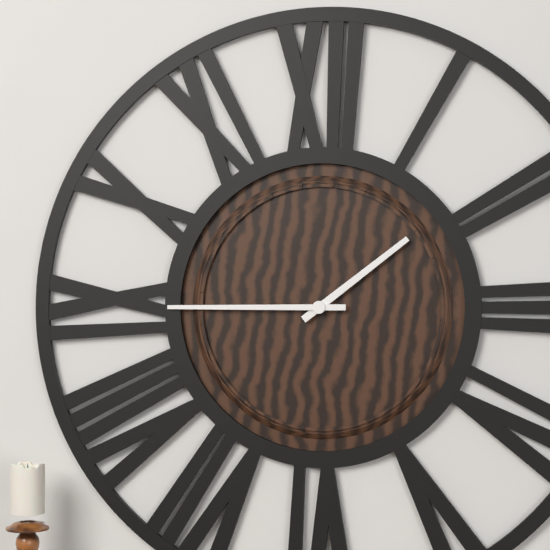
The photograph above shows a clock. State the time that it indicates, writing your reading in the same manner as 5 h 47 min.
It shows 1 h 45 min
